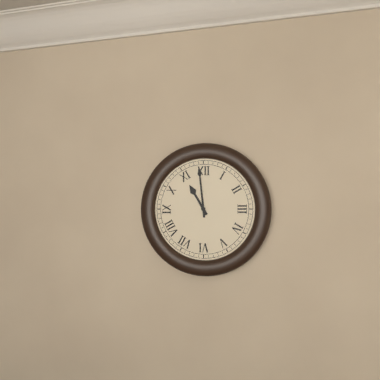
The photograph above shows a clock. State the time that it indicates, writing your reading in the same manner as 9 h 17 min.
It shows 10 h 59 min
